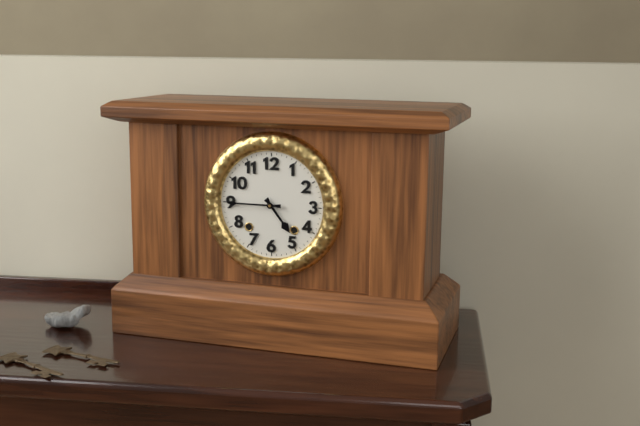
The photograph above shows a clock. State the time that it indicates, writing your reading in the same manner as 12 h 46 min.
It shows 4 h 45 min
